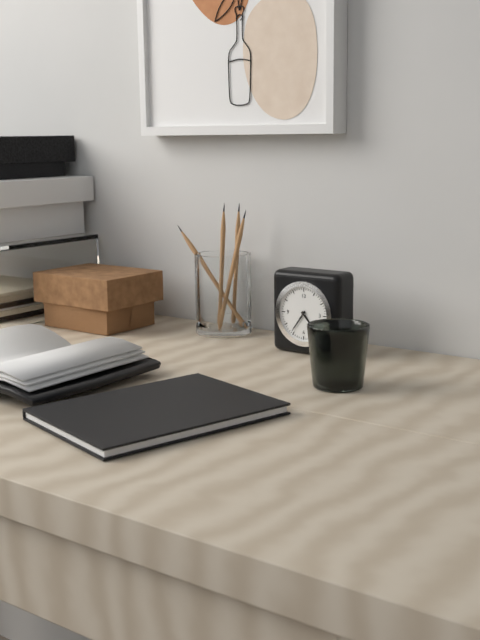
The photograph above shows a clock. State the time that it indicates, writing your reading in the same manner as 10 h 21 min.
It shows 4 h 36 min
